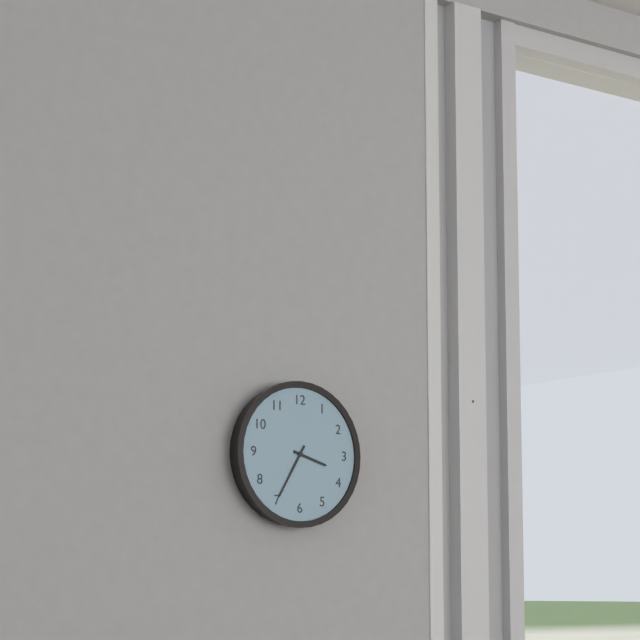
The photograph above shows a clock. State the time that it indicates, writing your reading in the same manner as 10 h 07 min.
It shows 3 h 35 min
